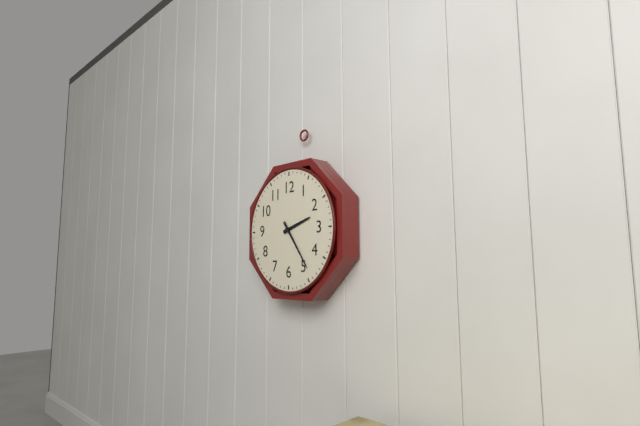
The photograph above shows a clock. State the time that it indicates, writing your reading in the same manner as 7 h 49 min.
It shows 2 h 24 min
